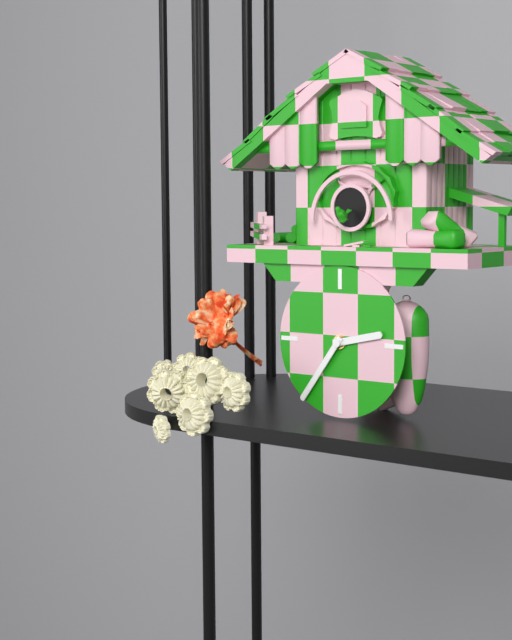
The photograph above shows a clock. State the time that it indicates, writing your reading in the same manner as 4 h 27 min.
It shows 2 h 36 min
